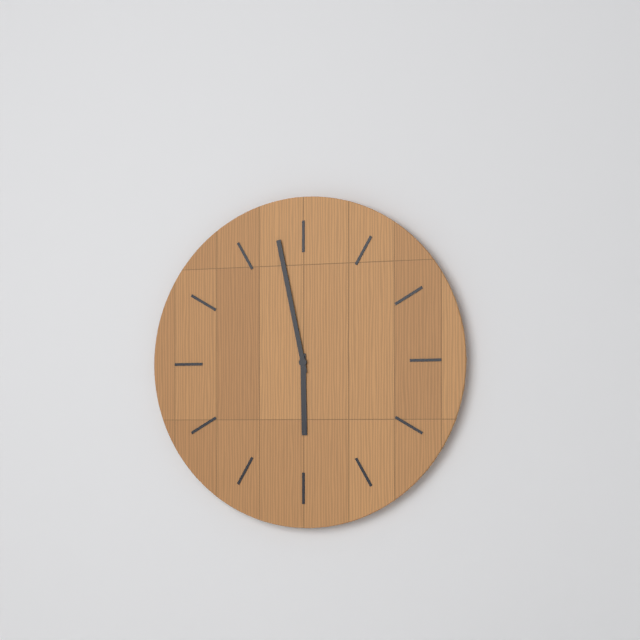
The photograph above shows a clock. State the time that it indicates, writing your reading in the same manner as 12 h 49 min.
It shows 5 h 58 min
